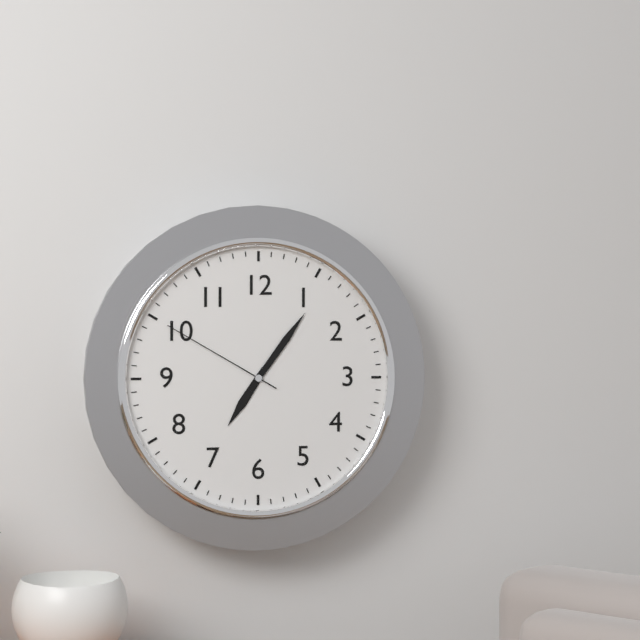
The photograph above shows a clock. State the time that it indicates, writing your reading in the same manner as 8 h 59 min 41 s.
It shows 7 h 06 min 50 s
